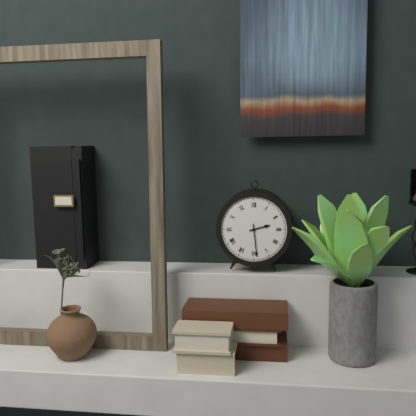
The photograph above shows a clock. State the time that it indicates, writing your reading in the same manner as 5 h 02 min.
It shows 2 h 29 min
